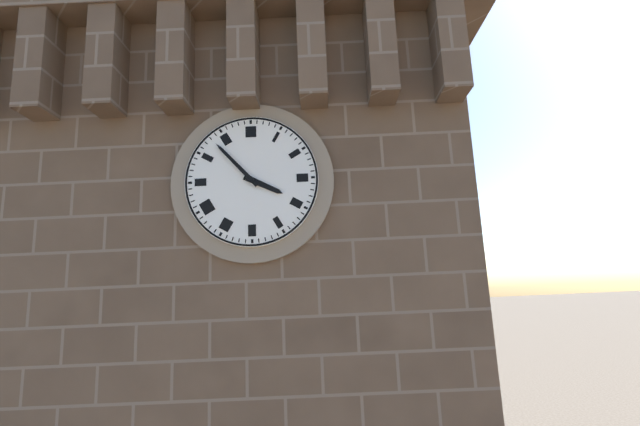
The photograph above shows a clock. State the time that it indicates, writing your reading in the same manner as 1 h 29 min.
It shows 3 h 53 min
